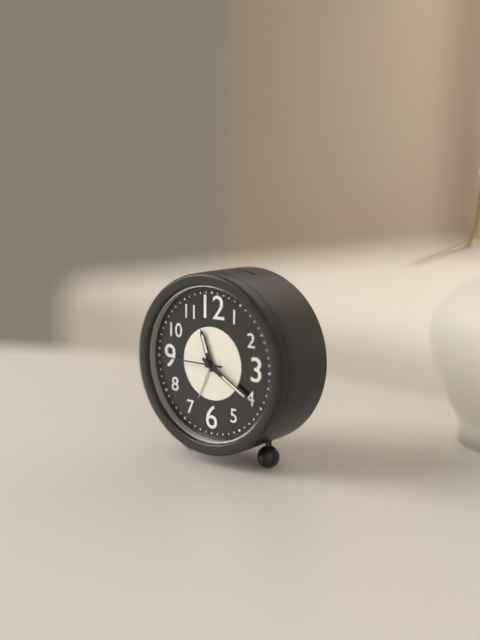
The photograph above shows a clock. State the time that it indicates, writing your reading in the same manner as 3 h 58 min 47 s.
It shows 11 h 20 min 45 s
